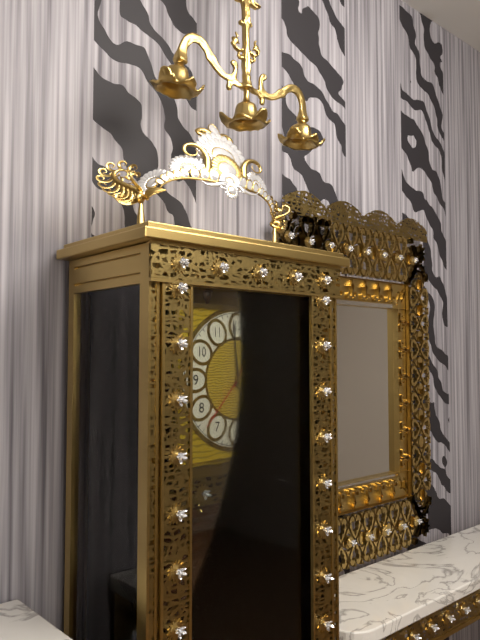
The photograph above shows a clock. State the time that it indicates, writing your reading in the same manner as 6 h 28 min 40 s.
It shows 12 h 59 min 37 s
